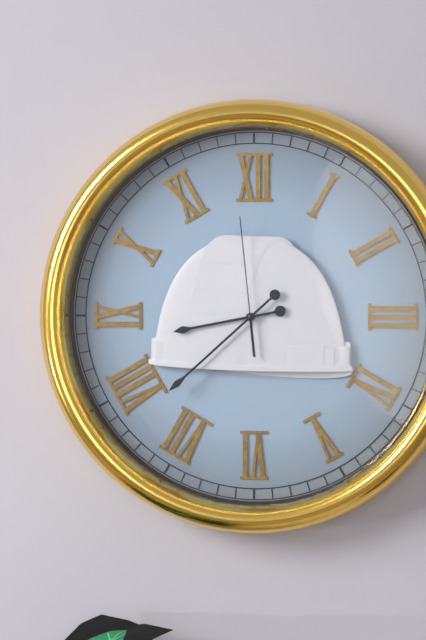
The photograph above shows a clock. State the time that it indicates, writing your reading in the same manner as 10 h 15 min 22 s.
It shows 8 h 38 min 59 s
